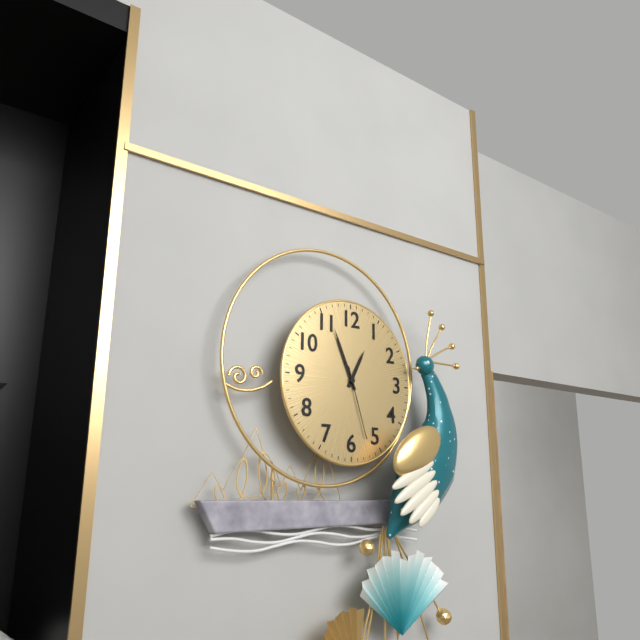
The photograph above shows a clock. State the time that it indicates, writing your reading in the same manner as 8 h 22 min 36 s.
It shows 12 h 56 min 27 s
